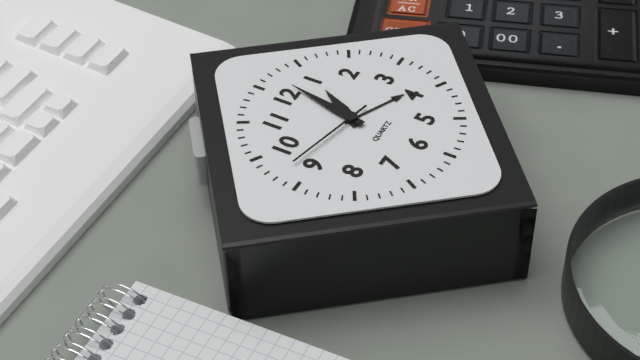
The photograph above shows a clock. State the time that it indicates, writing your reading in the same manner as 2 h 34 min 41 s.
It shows 1 h 02 min 47 s
